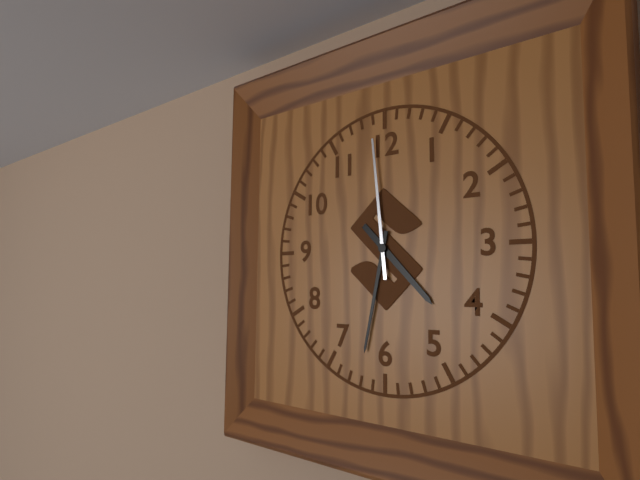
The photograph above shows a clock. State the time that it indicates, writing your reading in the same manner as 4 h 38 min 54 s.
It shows 4 h 32 min 59 s
